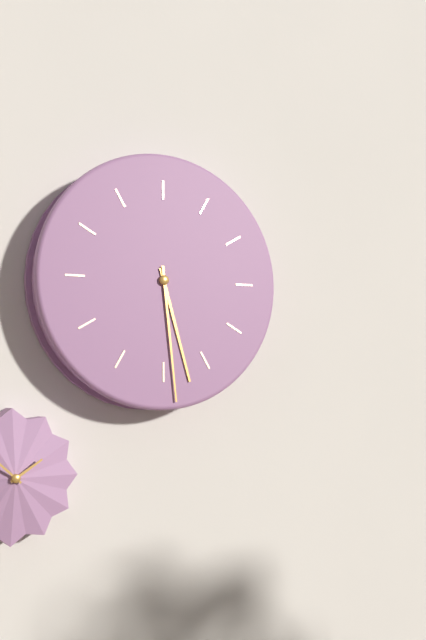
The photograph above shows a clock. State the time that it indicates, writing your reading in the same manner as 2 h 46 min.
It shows 5 h 29 min
